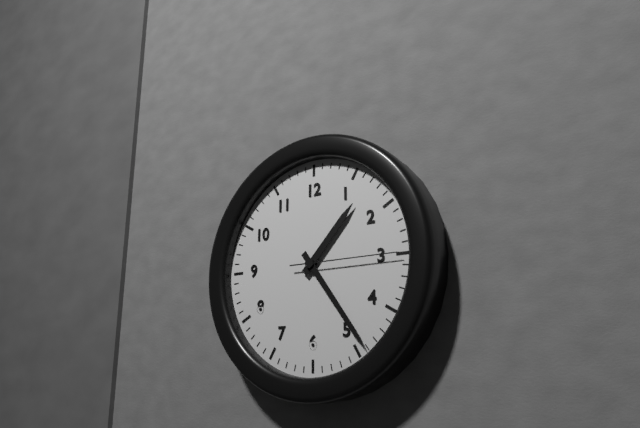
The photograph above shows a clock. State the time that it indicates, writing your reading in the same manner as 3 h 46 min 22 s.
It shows 1 h 24 min 15 s
